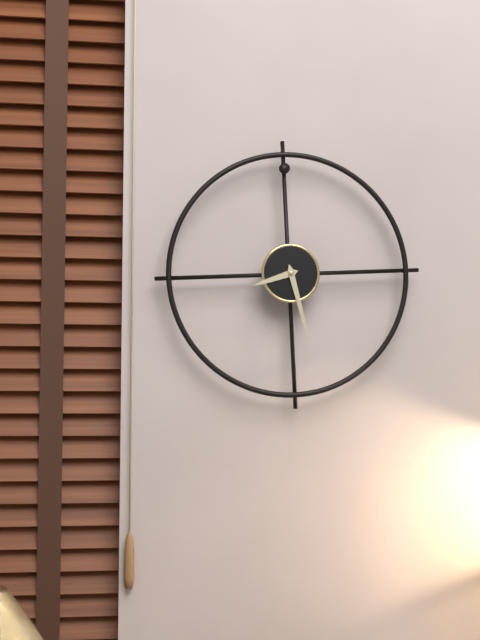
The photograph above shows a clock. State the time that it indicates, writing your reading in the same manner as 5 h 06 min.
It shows 8 h 28 min
